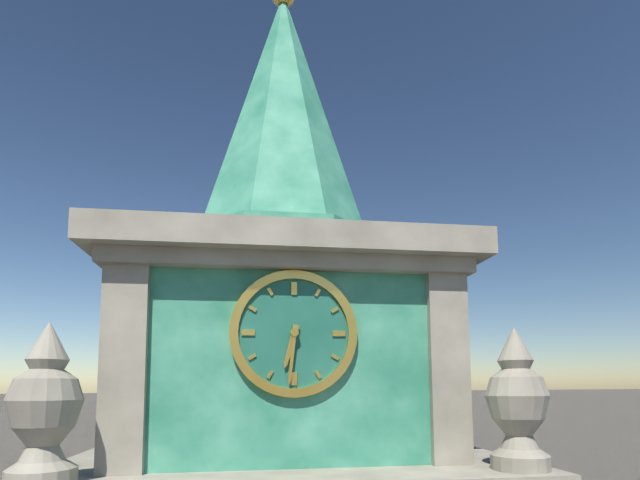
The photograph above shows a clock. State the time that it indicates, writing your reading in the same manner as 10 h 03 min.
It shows 6 h 31 min
